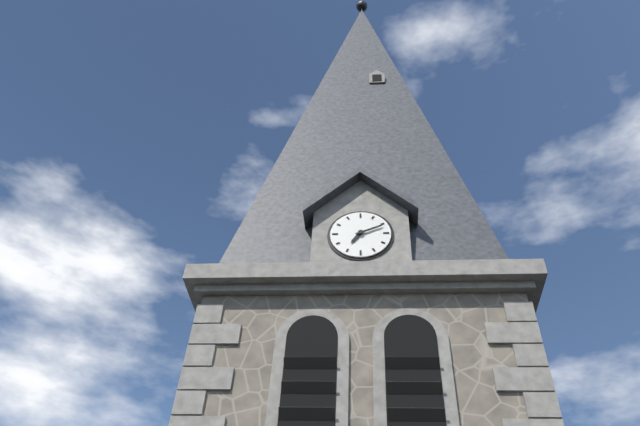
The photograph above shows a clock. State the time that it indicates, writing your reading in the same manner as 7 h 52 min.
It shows 7 h 11 min
